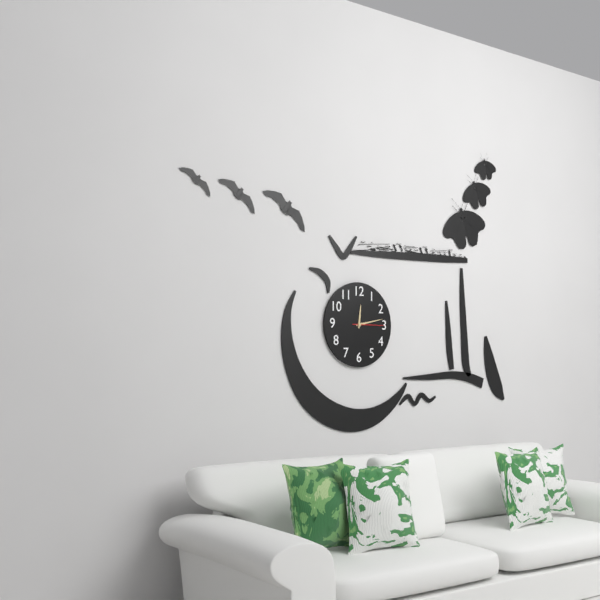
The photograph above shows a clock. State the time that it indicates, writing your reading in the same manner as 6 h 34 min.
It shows 12 h 13 min
